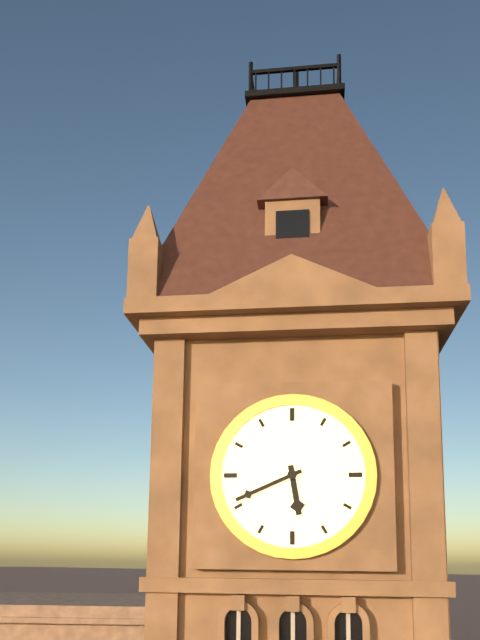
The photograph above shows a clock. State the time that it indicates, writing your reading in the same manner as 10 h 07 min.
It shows 5 h 41 min
